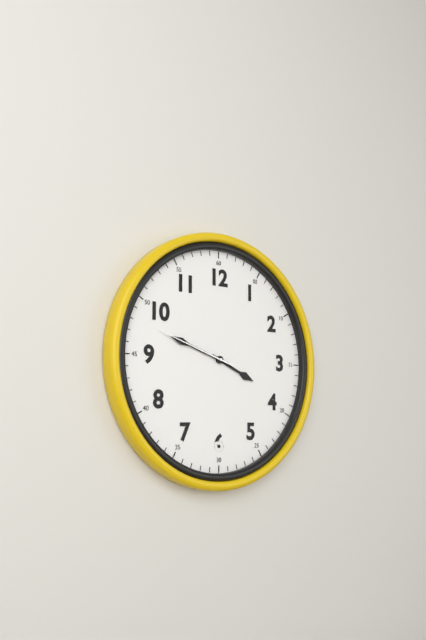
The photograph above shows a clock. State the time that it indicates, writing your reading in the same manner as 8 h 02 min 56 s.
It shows 3 h 48 min 48 s
